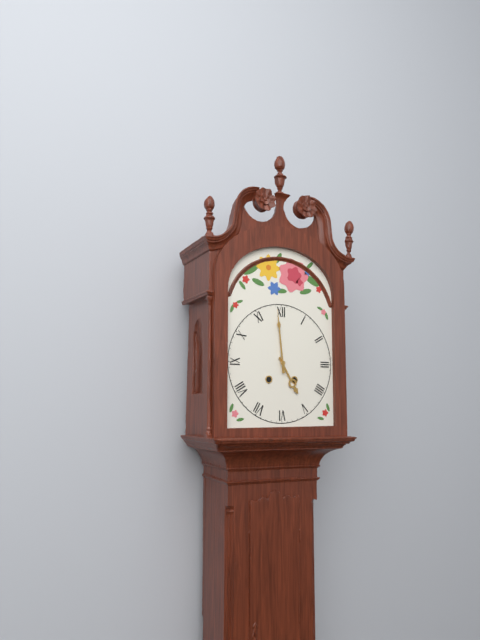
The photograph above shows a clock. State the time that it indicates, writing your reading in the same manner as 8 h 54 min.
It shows 4 h 59 min
